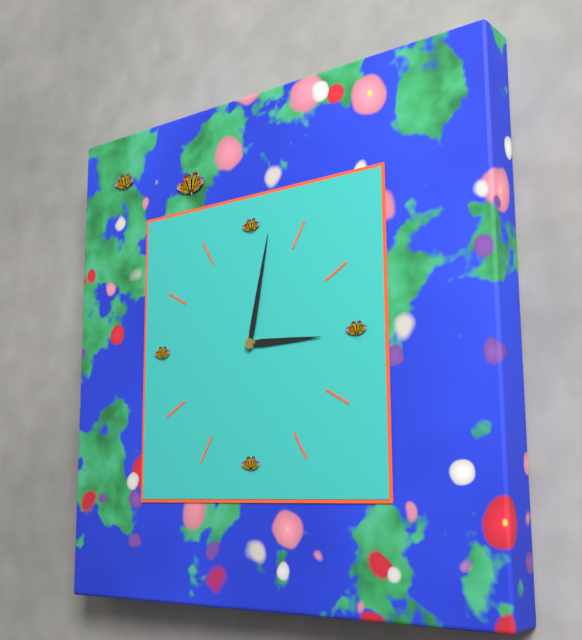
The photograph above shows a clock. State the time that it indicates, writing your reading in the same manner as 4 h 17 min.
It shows 3 h 02 min
